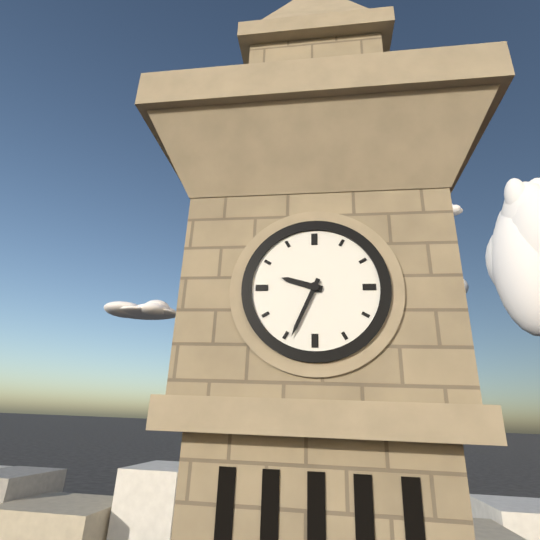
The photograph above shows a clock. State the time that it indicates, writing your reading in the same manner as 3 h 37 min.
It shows 9 h 34 min
